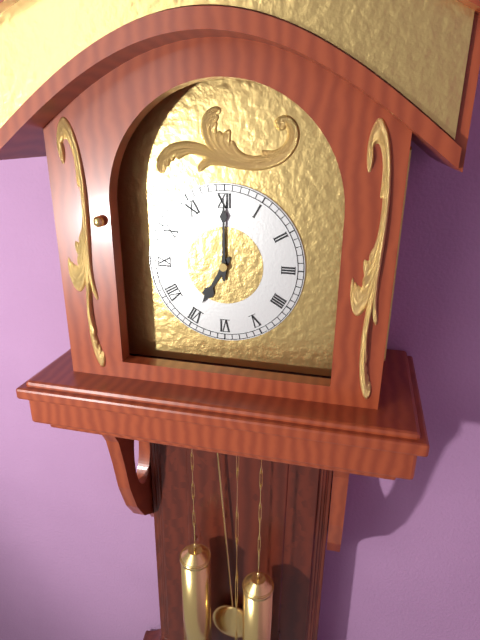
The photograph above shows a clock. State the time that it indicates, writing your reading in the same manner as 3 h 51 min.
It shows 7 h 00 min
